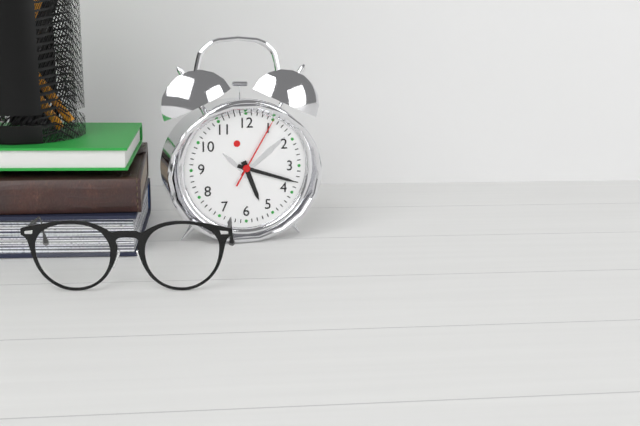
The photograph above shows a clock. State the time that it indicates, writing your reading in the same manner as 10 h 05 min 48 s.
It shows 5 h 18 min 05 s
